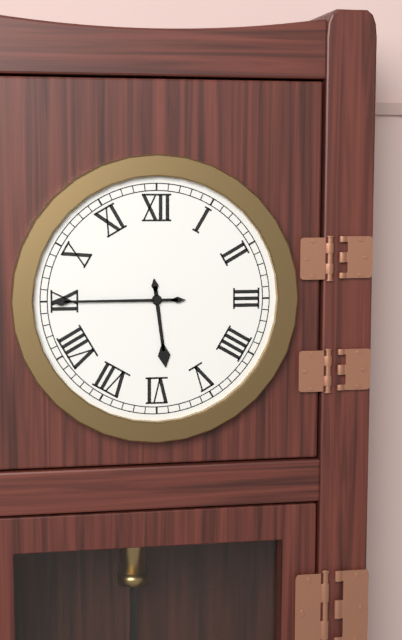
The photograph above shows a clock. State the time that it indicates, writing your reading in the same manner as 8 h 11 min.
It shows 5 h 45 min
